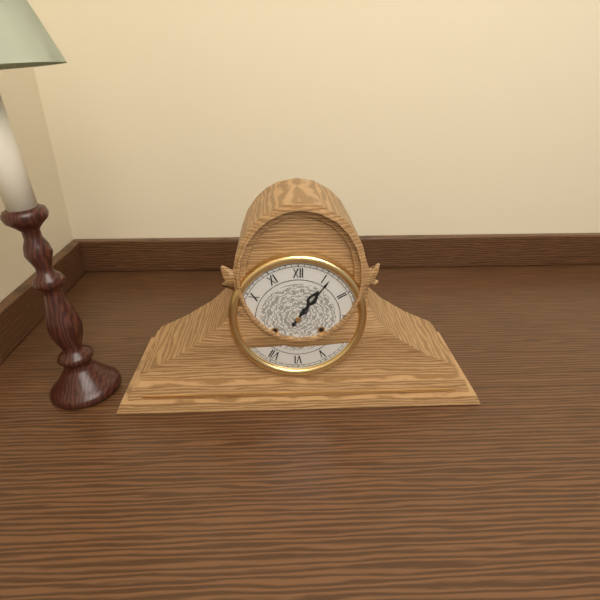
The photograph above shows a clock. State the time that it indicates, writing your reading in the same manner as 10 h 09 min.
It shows 1 h 06 min
